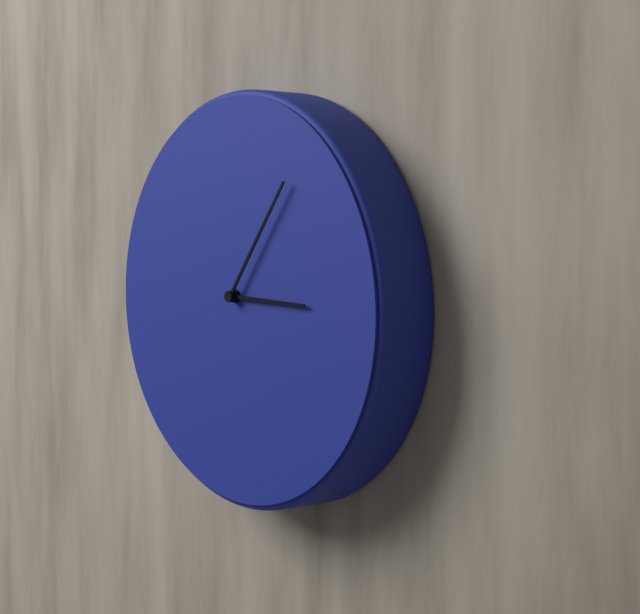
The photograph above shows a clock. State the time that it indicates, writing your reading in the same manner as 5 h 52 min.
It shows 3 h 06 min
